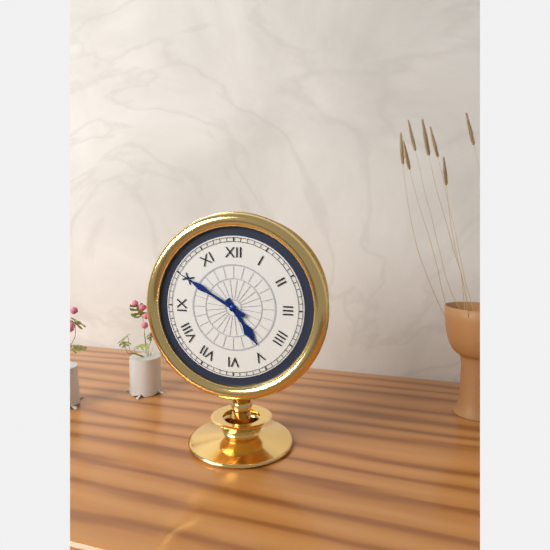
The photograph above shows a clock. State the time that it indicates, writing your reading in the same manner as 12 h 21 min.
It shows 4 h 50 min
